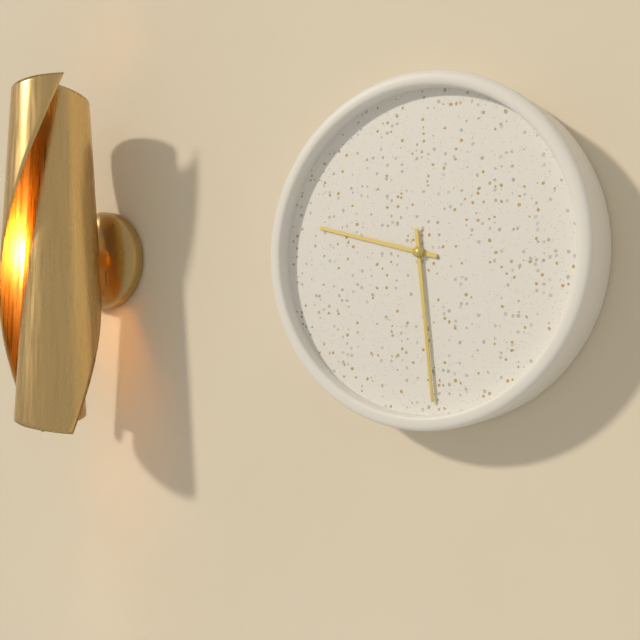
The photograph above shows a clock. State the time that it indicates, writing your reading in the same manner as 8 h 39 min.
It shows 9 h 29 min
